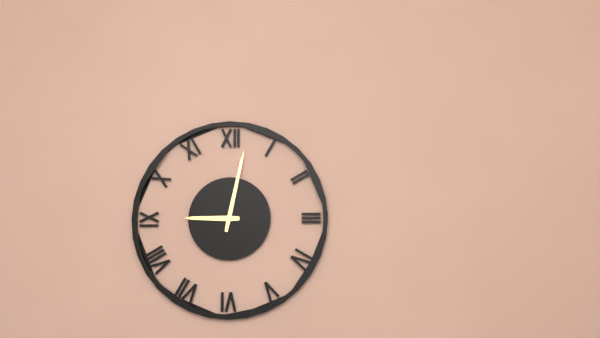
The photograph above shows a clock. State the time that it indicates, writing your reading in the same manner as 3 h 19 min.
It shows 9 h 02 min
